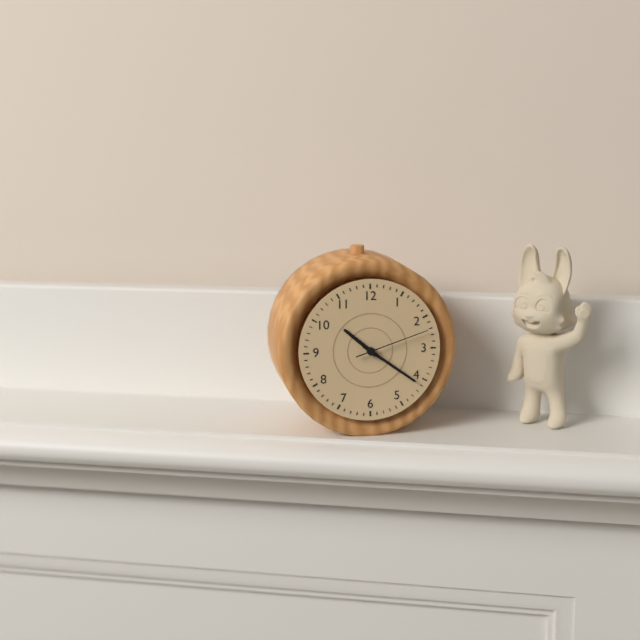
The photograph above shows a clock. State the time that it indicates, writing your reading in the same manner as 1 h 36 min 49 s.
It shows 10 h 21 min 12 s
